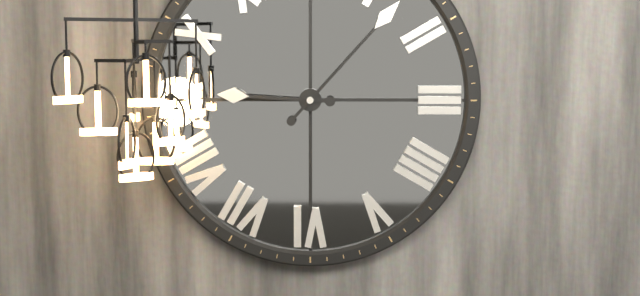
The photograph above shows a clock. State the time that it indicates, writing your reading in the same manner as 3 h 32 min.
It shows 9 h 07 min
